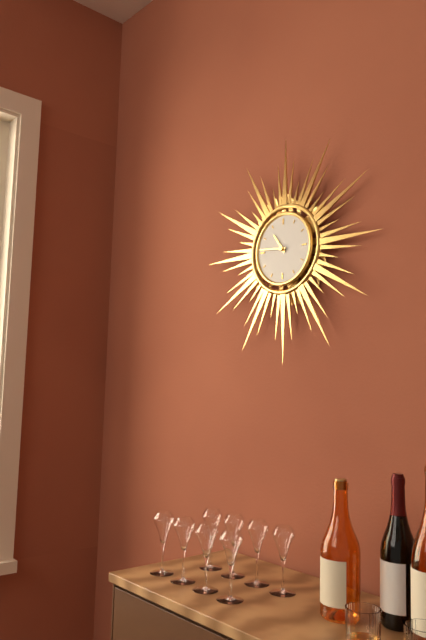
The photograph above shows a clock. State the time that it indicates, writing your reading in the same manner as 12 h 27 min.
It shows 10 h 46 min
